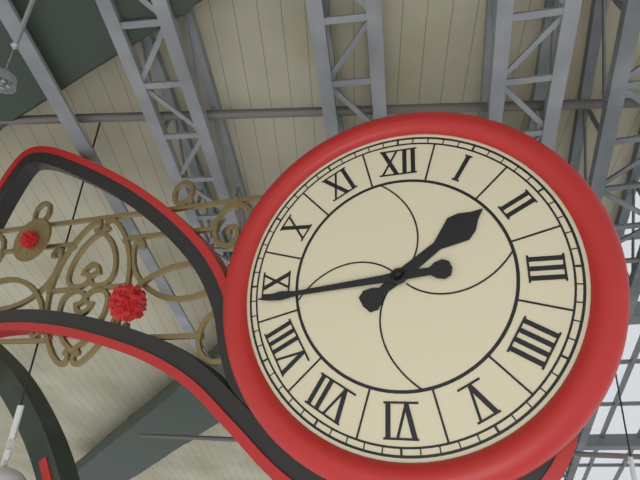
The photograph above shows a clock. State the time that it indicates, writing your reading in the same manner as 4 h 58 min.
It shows 1 h 44 min
